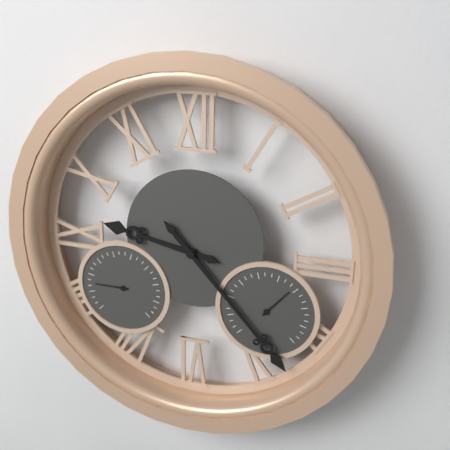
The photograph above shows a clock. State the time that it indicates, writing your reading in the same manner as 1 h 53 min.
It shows 9 h 23 min
